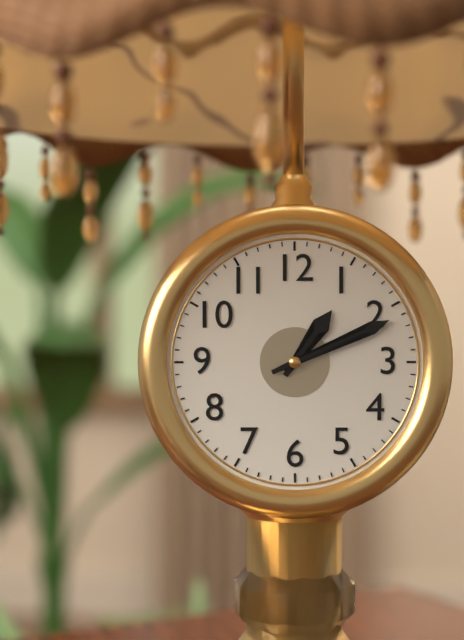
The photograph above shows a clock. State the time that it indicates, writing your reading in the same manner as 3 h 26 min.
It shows 1 h 11 min
